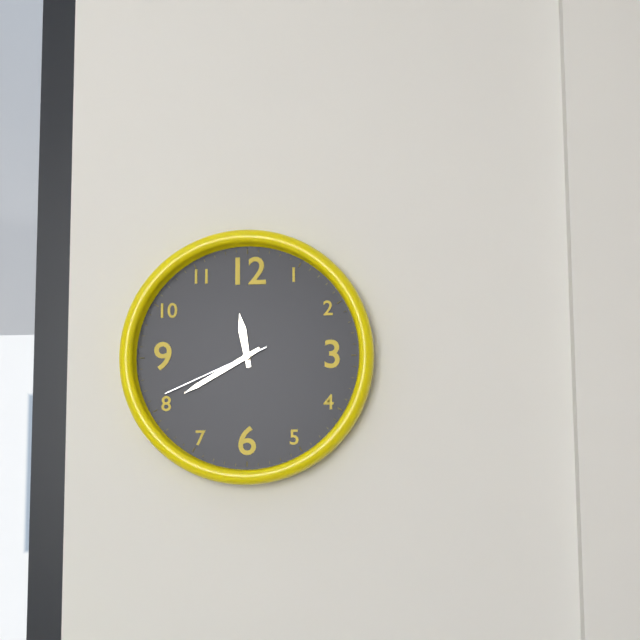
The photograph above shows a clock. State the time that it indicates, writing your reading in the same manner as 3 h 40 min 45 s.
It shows 11 h 40 min 41 s
